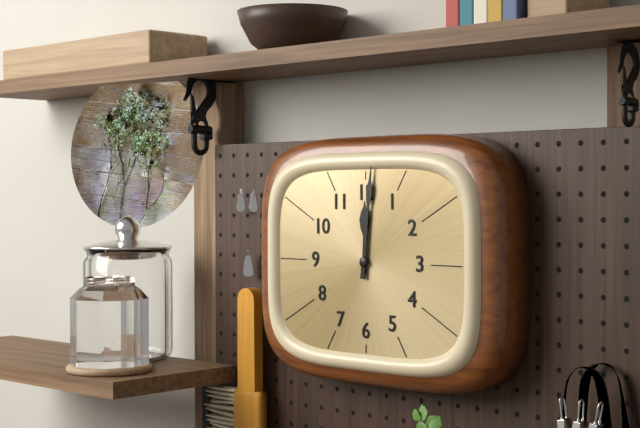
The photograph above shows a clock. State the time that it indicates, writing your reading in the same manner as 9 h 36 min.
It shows 12 h 01 min
